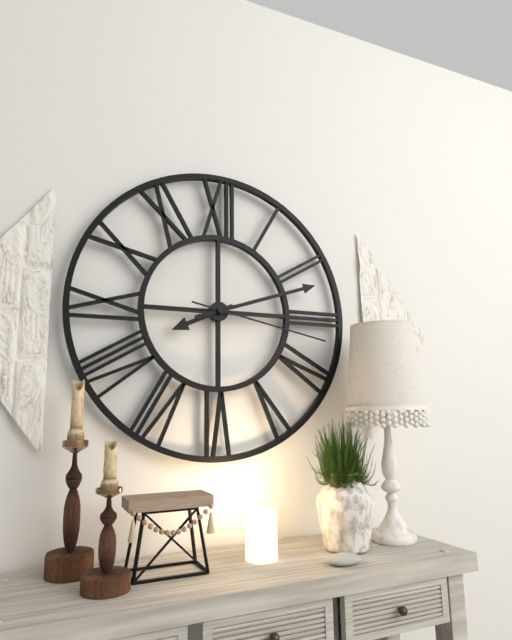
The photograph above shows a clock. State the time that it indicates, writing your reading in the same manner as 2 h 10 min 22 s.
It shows 8 h 12 min 17 s
